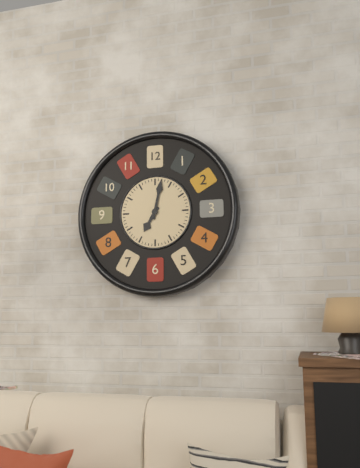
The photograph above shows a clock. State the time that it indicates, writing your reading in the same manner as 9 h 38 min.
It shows 7 h 02 min
